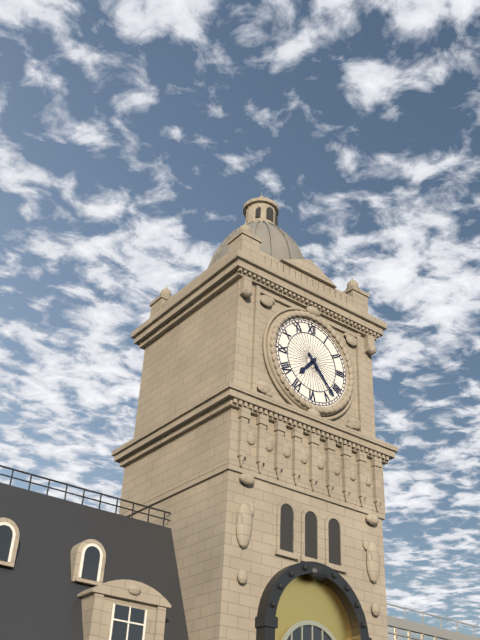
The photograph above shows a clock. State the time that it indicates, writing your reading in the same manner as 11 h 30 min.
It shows 7 h 23 min
